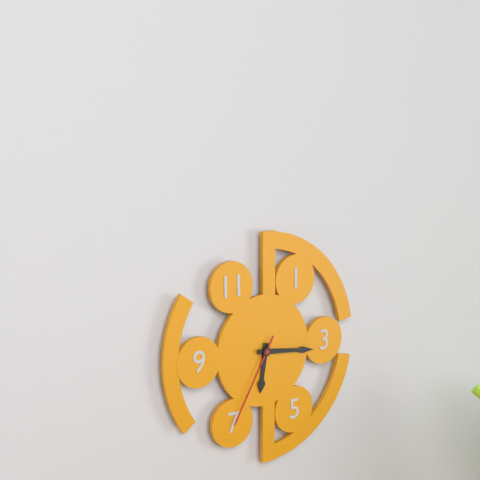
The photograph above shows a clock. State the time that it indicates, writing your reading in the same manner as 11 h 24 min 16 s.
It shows 6 h 16 min 35 s
